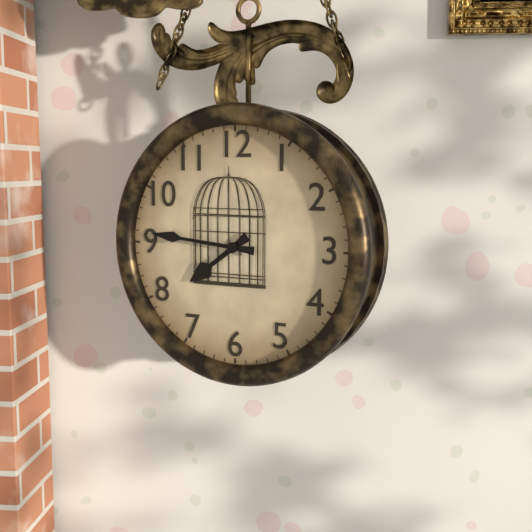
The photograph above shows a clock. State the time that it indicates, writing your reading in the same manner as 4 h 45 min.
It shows 7 h 46 min
